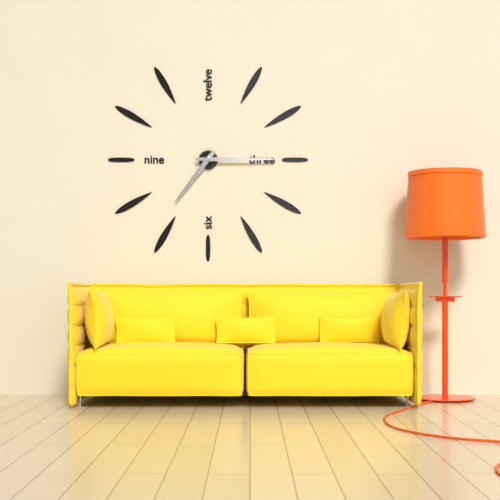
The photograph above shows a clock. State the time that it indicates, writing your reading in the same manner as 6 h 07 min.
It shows 7 h 15 min
